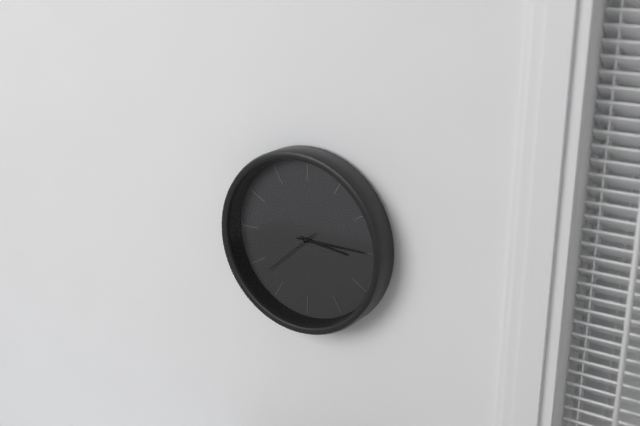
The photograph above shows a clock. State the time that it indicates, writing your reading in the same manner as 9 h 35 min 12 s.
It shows 3 h 15 min 38 s
